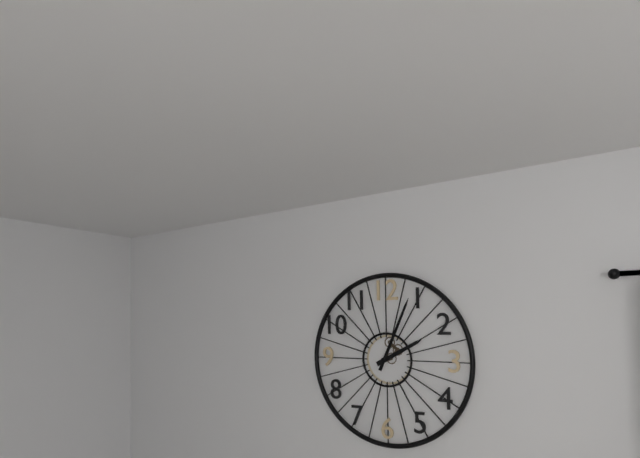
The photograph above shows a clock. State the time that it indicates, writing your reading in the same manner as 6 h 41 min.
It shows 2 h 04 min
